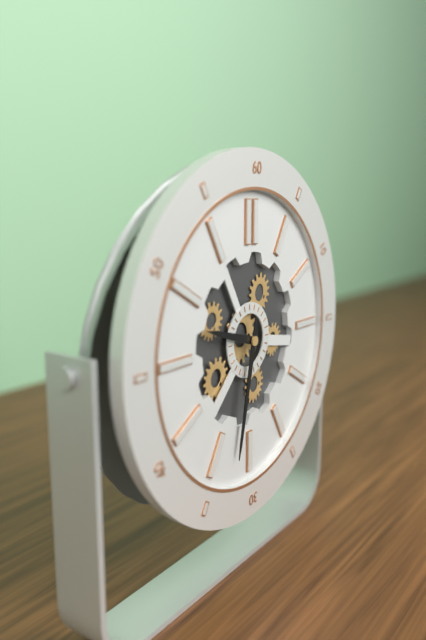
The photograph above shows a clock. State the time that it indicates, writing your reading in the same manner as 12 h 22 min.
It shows 9 h 32 min
